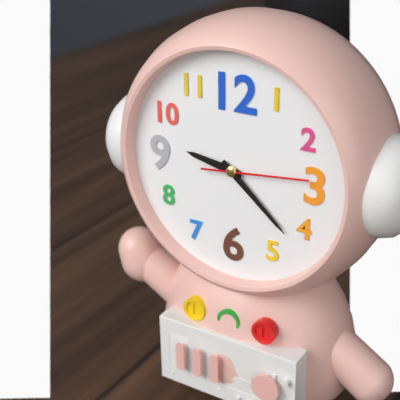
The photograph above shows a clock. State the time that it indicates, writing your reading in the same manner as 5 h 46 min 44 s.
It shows 9 h 22 min 14 s
